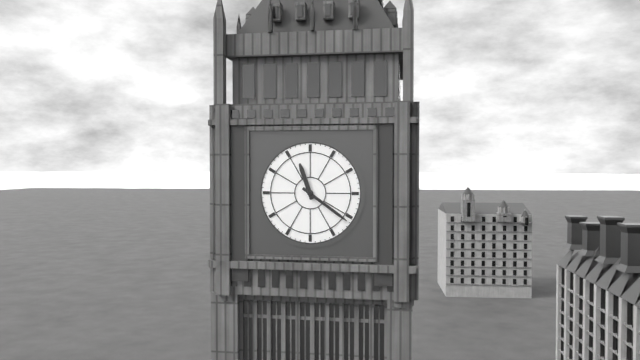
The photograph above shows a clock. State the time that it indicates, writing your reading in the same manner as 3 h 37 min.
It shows 11 h 21 min
